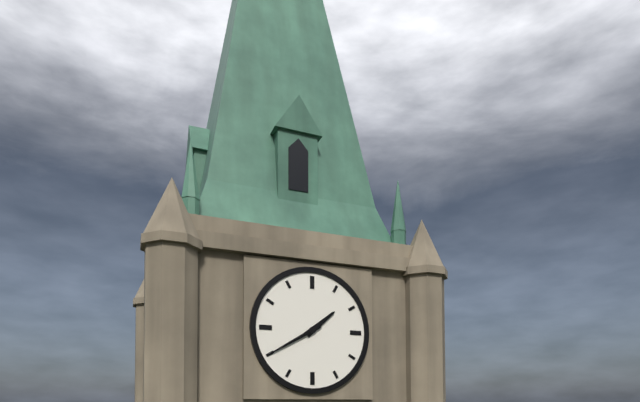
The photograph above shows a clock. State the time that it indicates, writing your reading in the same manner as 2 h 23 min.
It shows 1 h 40 min
